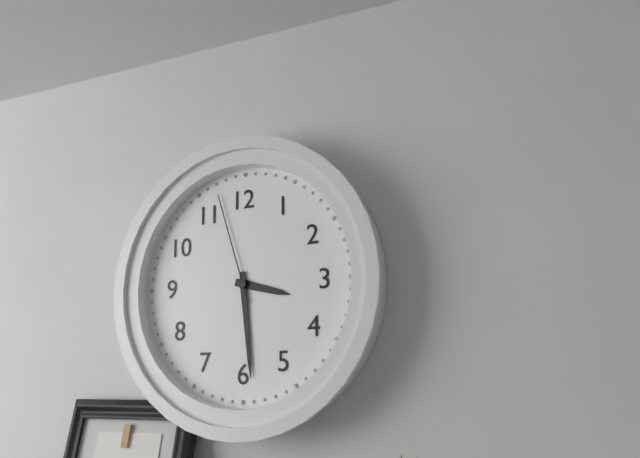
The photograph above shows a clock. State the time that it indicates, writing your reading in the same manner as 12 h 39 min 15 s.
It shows 3 h 29 min 57 s
